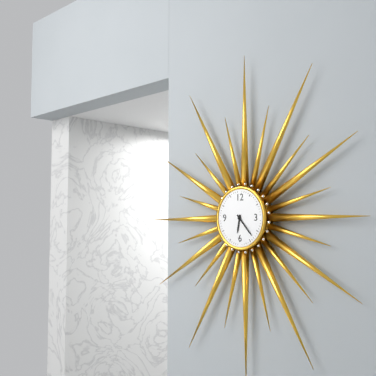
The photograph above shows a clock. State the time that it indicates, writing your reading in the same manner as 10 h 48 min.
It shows 6 h 23 min
